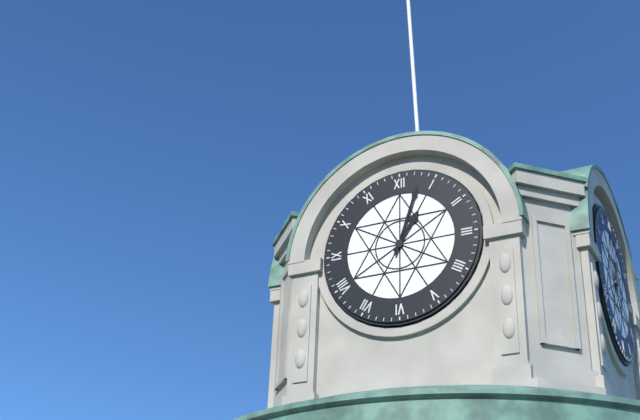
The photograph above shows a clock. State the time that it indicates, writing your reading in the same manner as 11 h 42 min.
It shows 1 h 03 min
